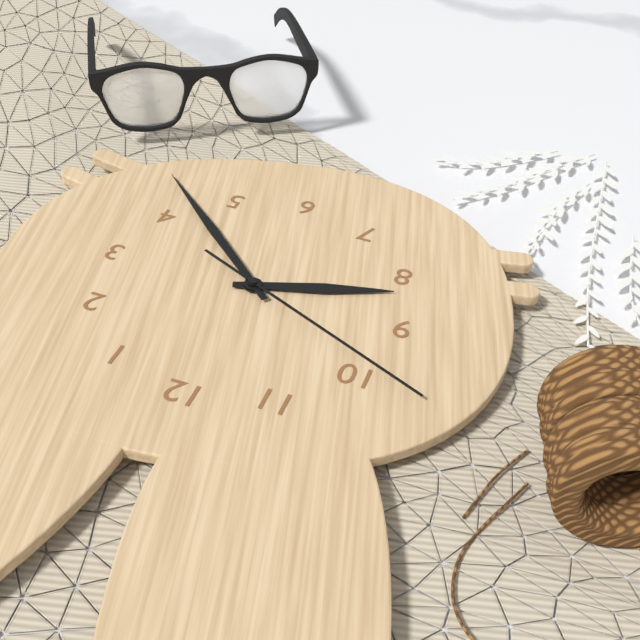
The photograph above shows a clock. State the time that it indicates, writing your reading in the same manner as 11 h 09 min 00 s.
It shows 8 h 22 min 49 s
